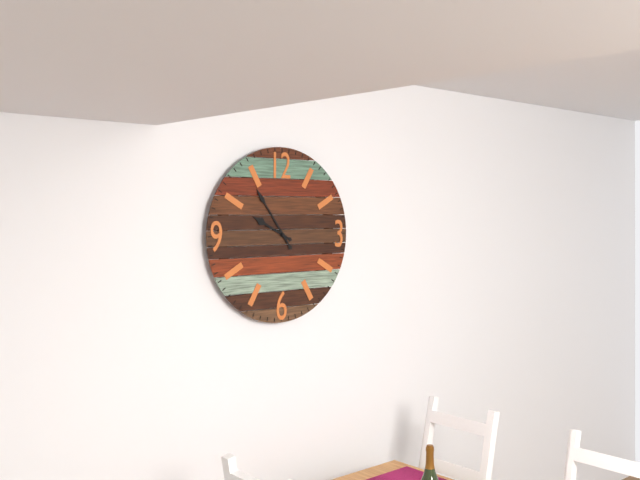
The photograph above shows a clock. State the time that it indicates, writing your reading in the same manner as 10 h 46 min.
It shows 9 h 54 min
